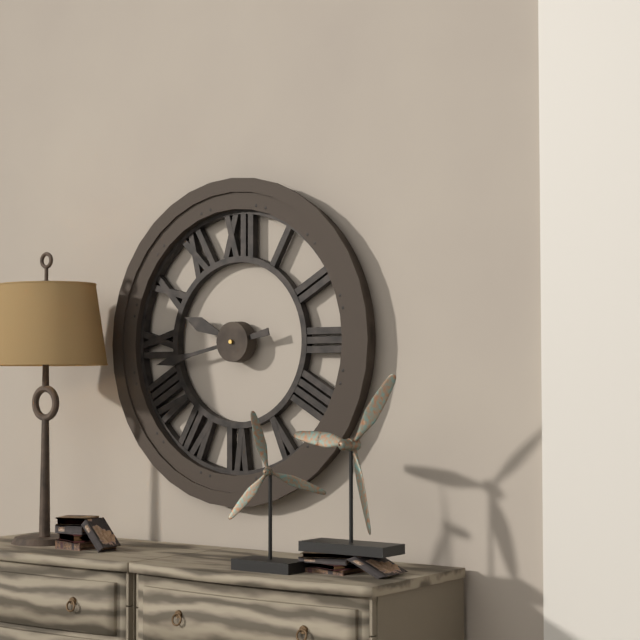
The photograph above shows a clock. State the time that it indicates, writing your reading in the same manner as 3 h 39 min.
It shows 9 h 43 min
